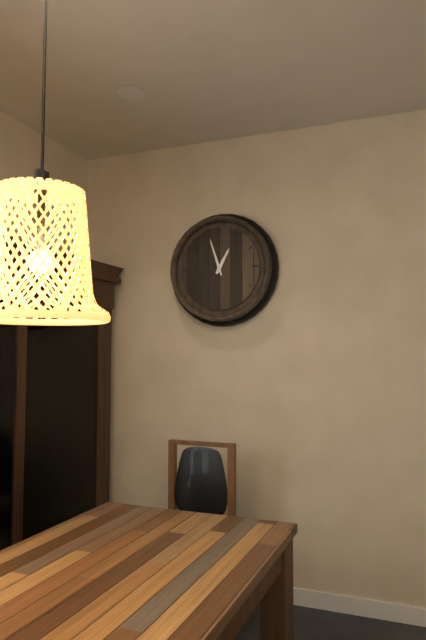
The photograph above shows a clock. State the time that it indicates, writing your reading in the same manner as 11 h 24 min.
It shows 12 h 57 min
